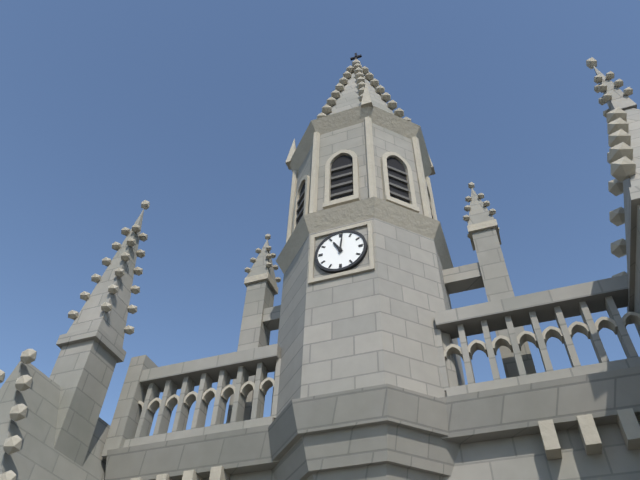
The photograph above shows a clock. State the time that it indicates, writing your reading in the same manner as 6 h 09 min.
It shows 11 h 01 min
